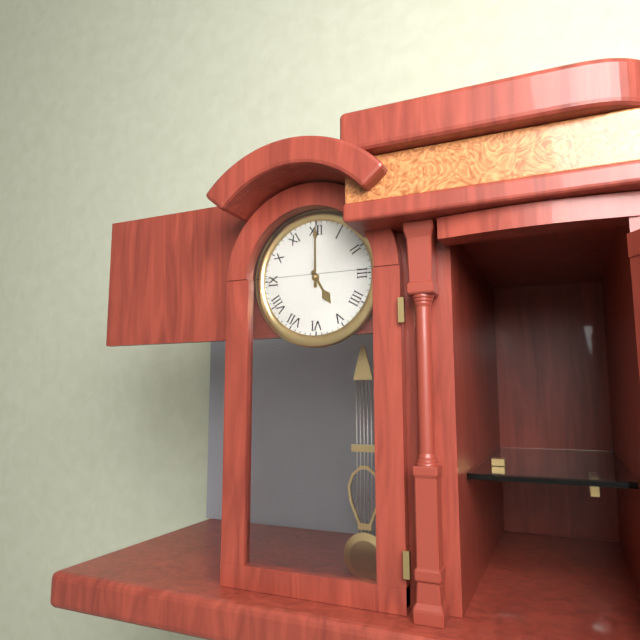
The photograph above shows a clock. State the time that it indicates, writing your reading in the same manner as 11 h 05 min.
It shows 5 h 00 min
